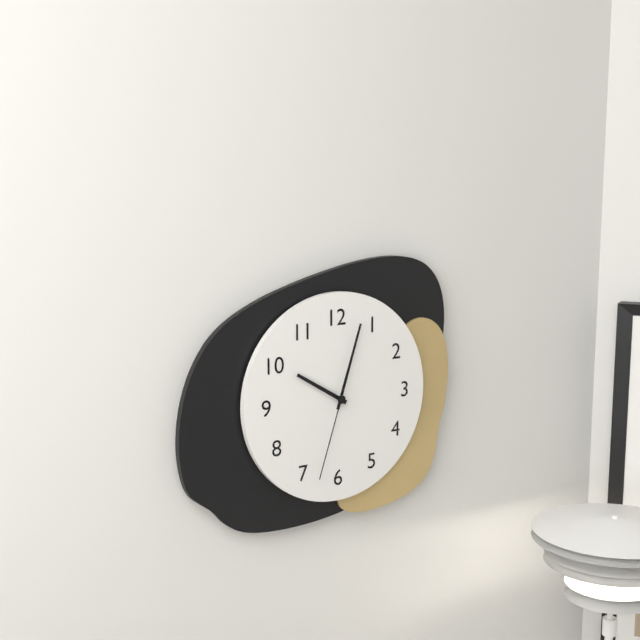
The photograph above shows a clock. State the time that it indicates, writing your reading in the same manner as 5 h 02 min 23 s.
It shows 10 h 03 min 33 s
